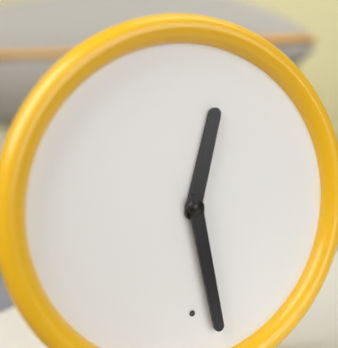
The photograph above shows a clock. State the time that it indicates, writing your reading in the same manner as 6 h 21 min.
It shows 12 h 28 min
